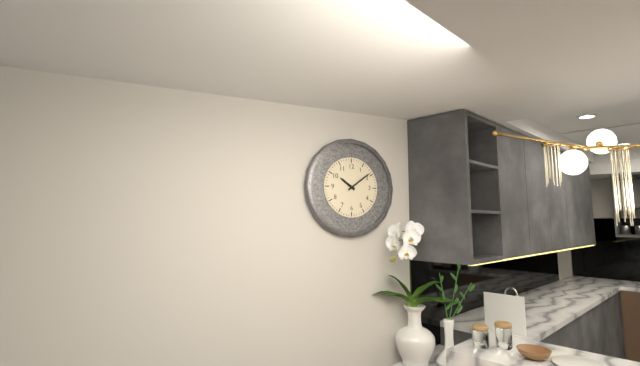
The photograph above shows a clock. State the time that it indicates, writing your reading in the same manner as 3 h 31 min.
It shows 10 h 09 min
